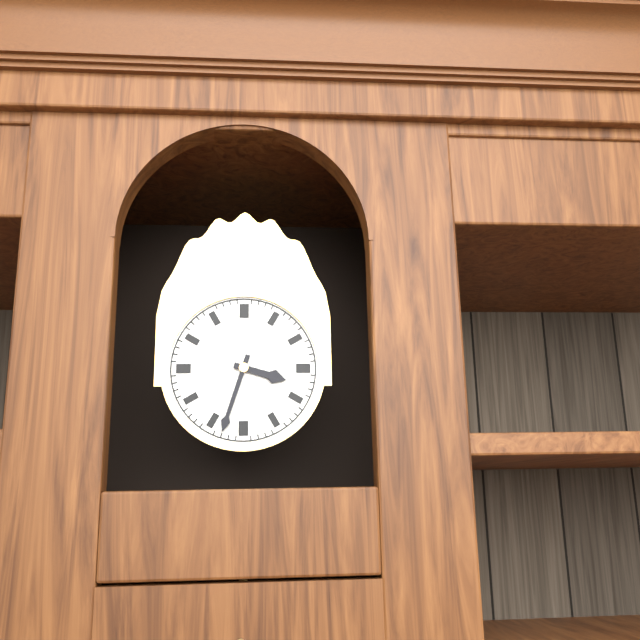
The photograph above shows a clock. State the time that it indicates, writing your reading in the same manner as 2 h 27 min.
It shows 3 h 33 min
